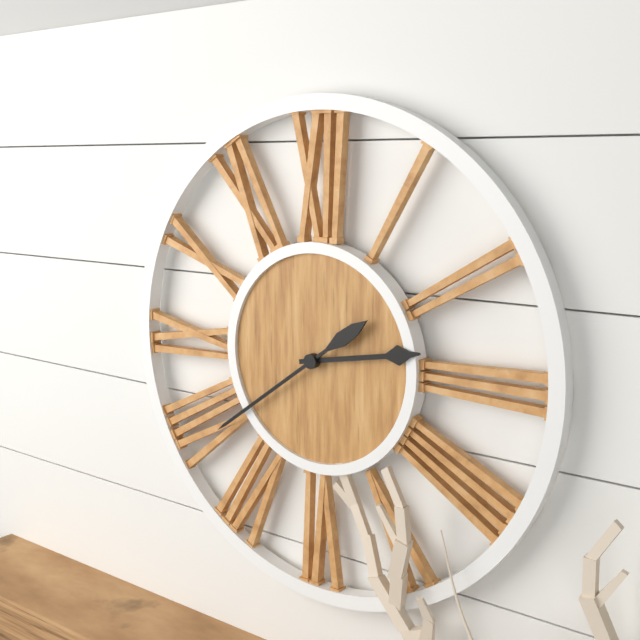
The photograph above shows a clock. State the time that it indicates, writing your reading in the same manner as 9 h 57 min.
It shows 2 h 39 min
